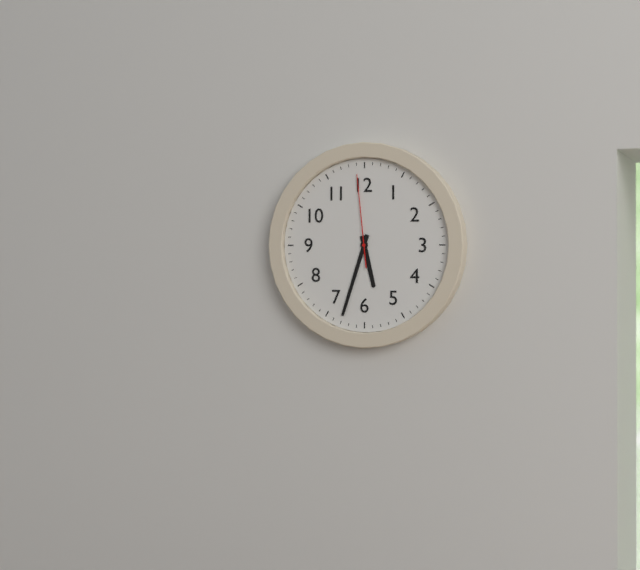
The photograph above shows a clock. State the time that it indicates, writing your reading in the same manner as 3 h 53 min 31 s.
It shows 5 h 33 min 59 s
